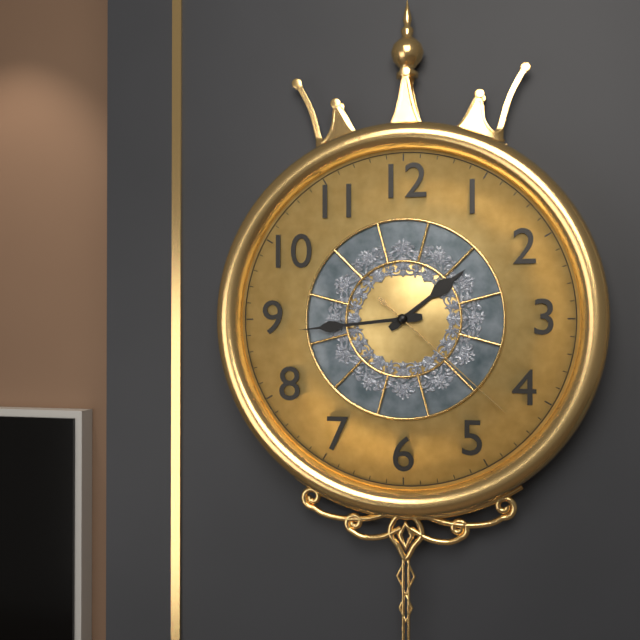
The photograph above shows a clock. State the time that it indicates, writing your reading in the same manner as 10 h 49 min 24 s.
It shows 1 h 44 min 22 s
